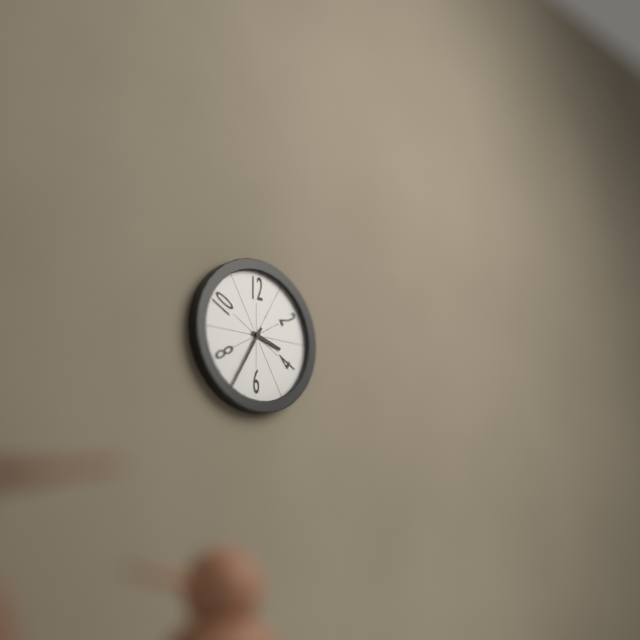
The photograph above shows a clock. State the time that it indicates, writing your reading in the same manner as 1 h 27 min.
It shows 3 h 35 min
